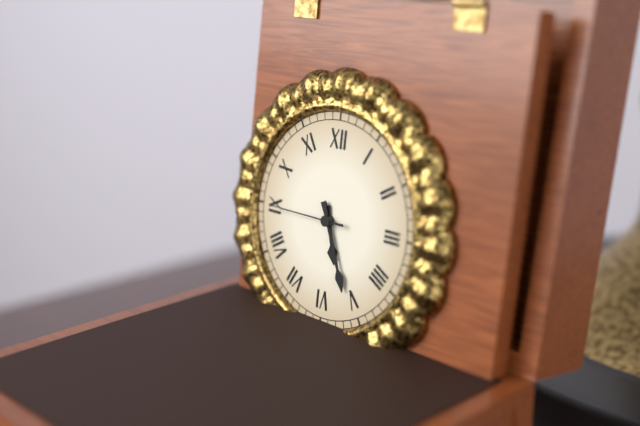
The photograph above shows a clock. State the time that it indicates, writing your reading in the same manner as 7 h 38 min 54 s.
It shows 5 h 26 min 45 s
